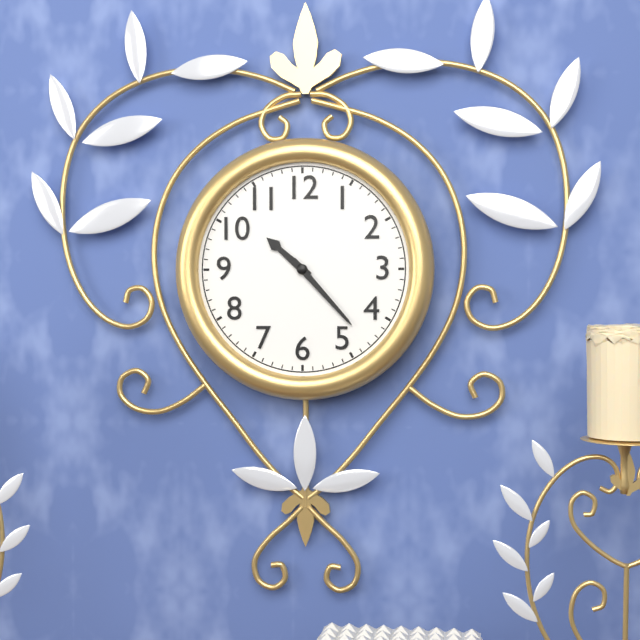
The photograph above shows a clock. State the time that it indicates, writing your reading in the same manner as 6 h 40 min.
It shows 10 h 23 min
